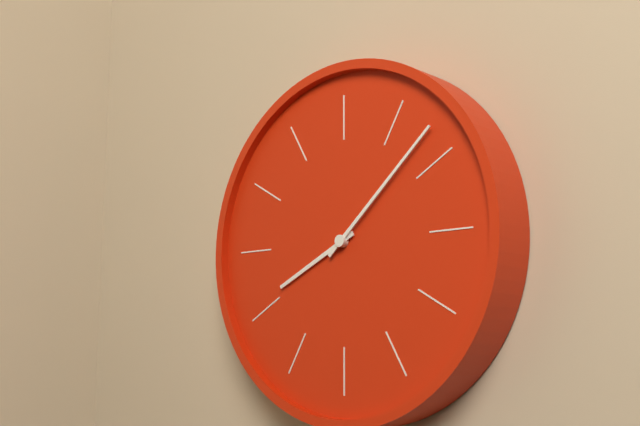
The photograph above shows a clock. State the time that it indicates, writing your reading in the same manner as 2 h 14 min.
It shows 8 h 08 min
